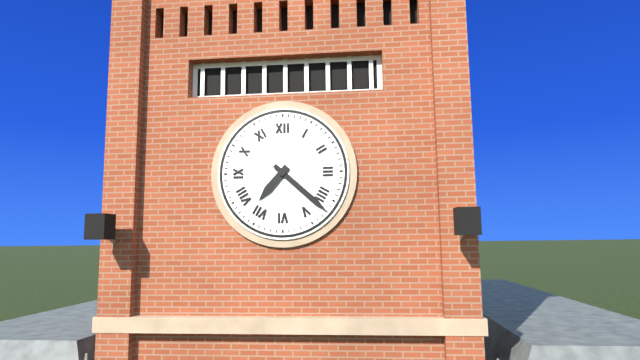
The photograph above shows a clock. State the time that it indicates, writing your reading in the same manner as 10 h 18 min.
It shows 7 h 22 min
